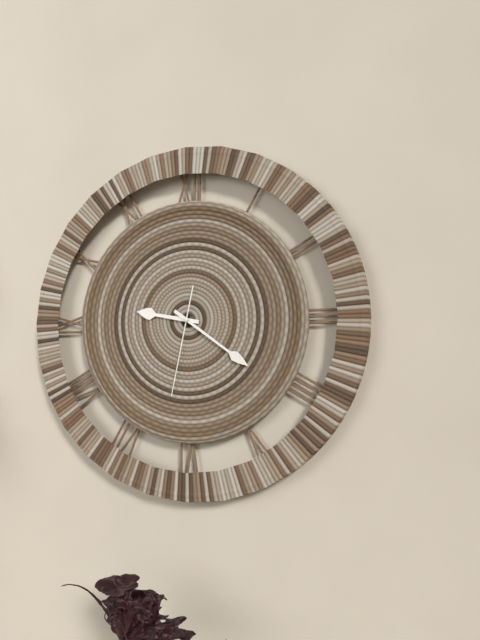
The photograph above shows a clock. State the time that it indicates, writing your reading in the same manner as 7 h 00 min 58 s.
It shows 9 h 21 min 32 s
